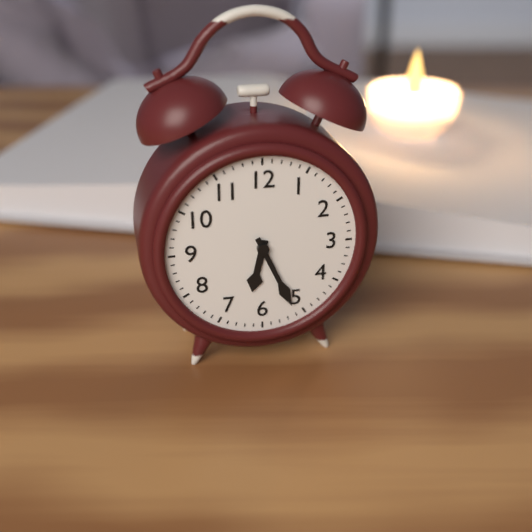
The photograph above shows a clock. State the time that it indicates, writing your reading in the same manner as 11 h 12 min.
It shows 6 h 26 min
